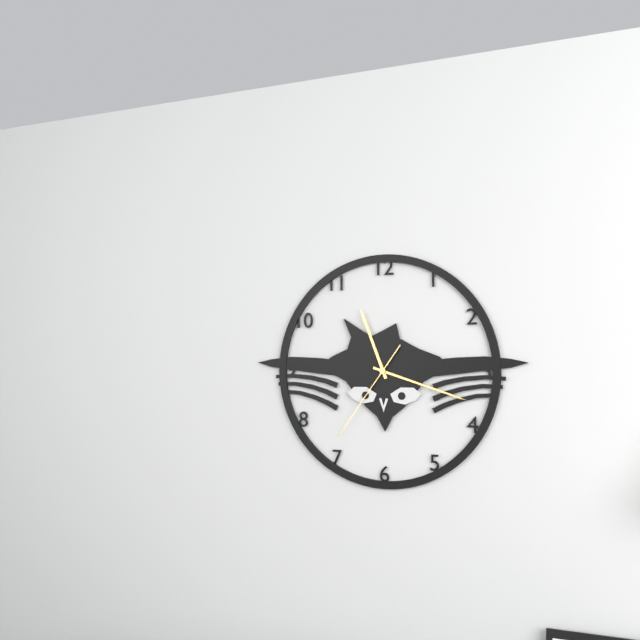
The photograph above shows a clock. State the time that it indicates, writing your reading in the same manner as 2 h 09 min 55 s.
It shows 11 h 18 min 36 s
